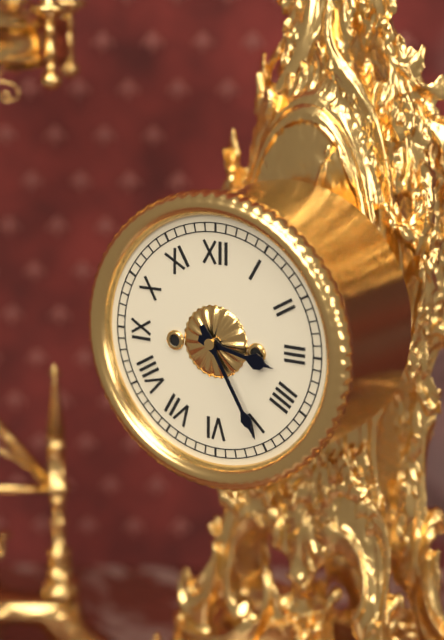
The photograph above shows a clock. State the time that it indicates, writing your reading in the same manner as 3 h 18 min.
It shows 3 h 25 min
